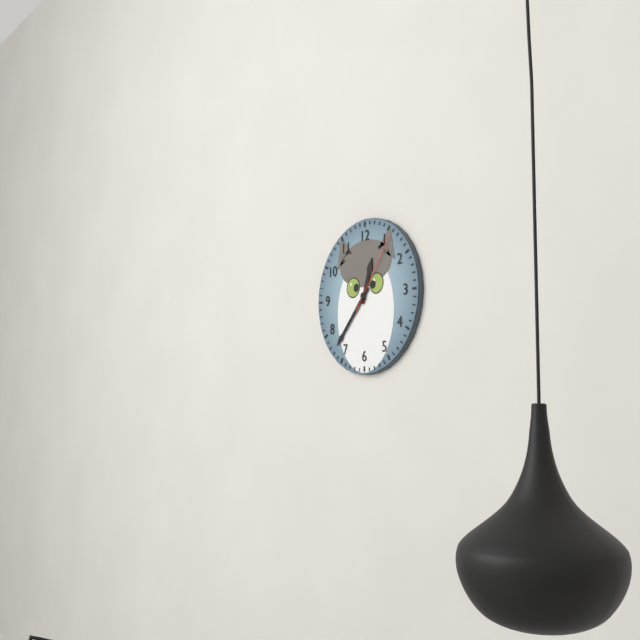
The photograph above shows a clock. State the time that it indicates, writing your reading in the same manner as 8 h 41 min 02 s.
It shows 12 h 37 min 06 s
